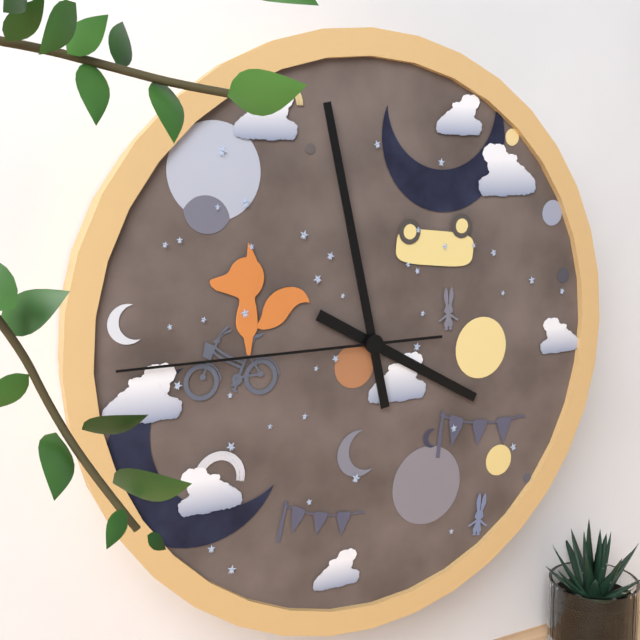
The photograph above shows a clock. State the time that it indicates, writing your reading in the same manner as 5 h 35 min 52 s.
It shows 3 h 58 min 45 s
